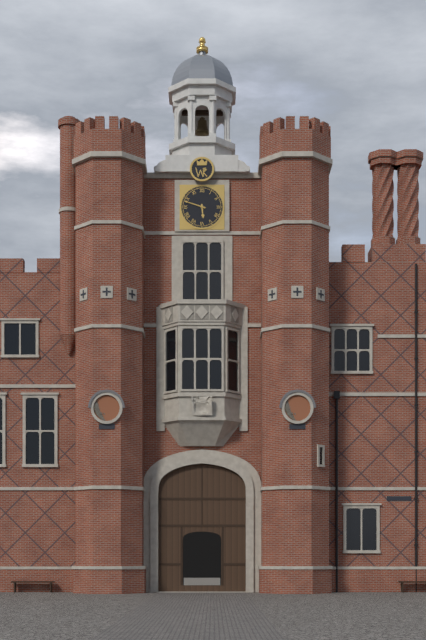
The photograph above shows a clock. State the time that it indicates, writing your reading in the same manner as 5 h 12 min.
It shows 5 h 48 min
